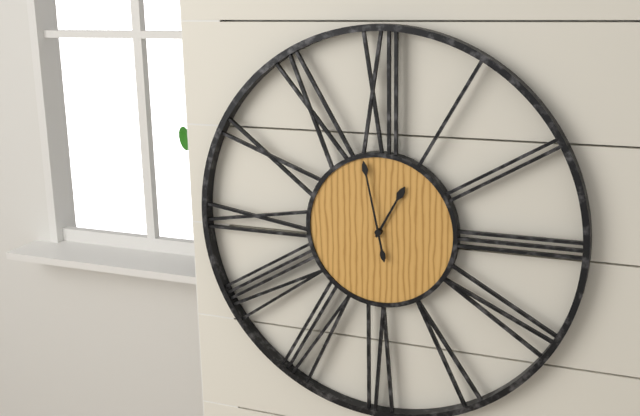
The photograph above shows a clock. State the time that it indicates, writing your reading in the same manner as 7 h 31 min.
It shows 12 h 58 min
